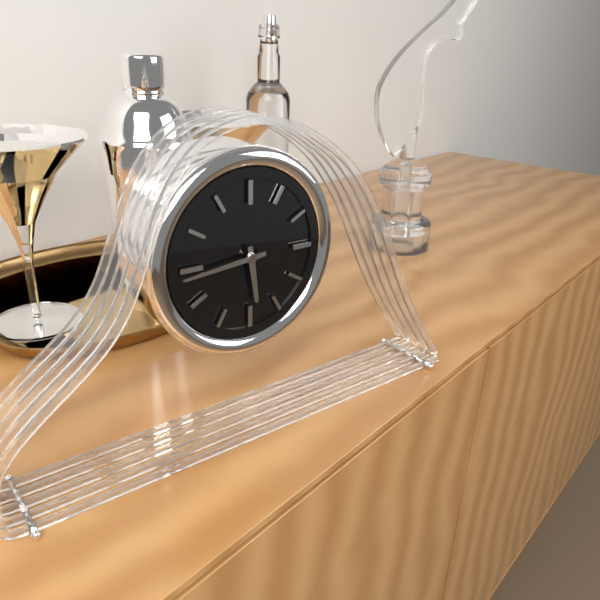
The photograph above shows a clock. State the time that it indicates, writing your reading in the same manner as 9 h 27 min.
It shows 5 h 44 min
